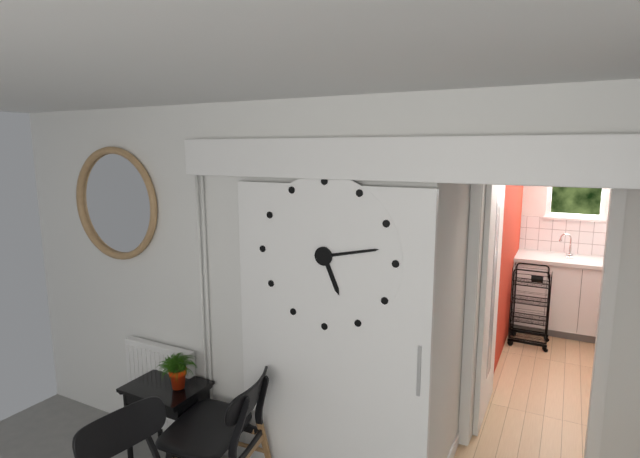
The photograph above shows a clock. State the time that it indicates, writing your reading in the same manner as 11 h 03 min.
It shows 5 h 13 min
